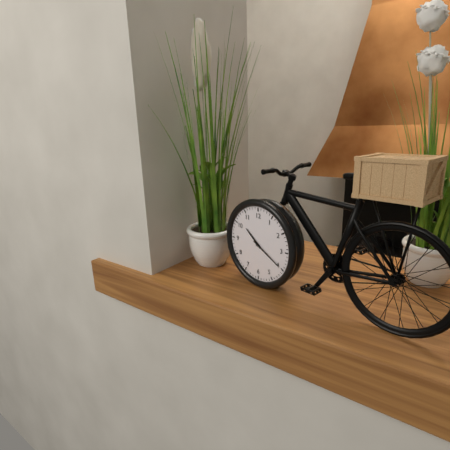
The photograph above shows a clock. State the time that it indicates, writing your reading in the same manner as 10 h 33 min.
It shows 10 h 20 min
